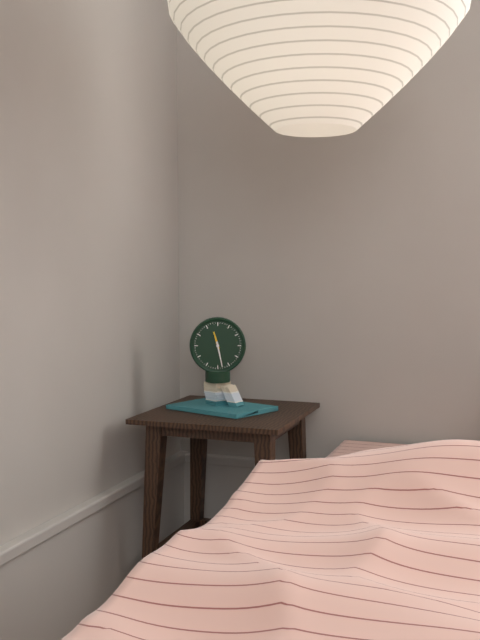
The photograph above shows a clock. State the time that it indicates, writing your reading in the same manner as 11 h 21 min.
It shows 11 h 28 min
